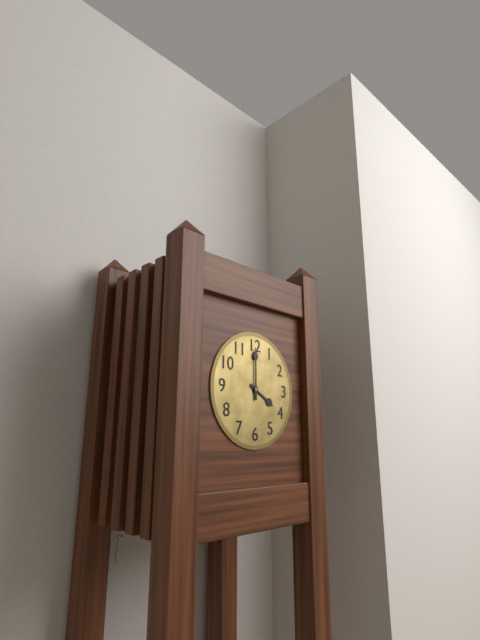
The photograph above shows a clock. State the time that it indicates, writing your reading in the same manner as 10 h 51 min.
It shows 4 h 00 min
